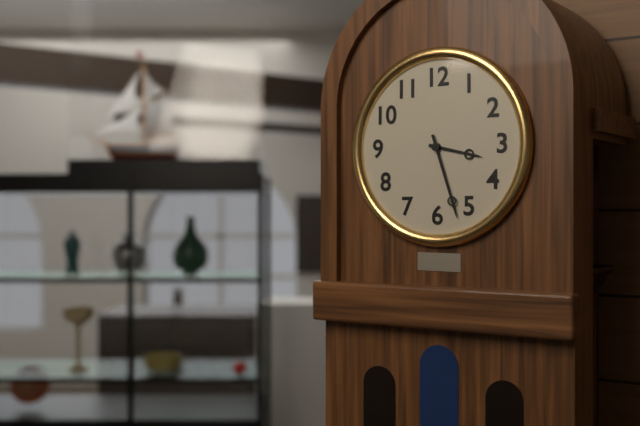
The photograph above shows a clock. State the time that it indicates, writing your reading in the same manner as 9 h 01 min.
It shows 3 h 27 min
